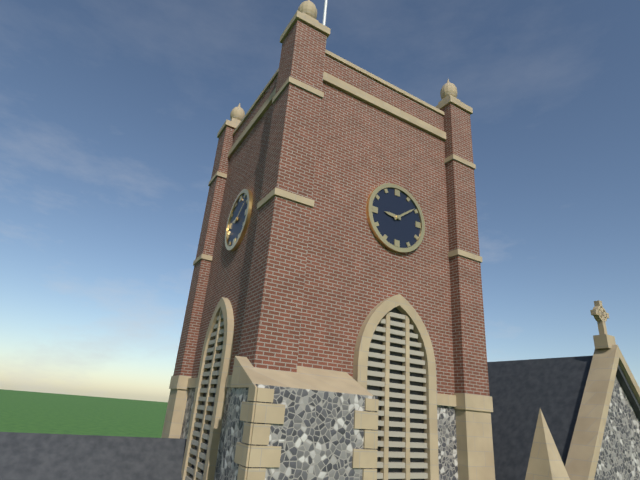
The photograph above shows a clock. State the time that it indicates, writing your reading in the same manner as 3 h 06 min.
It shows 9 h 09 min
